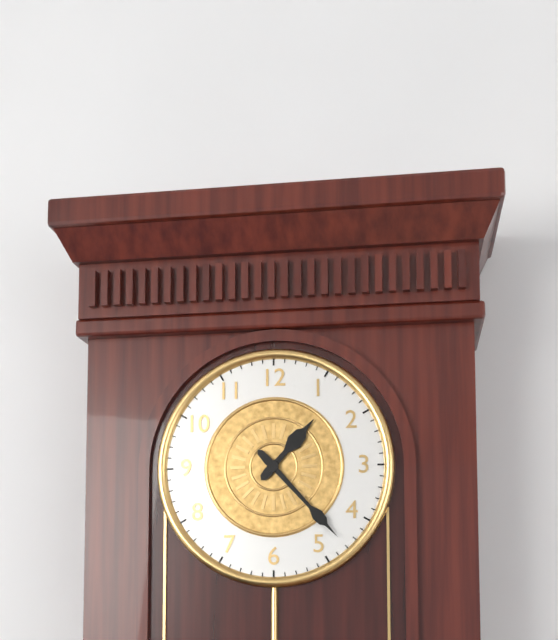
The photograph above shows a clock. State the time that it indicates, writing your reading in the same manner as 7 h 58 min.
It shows 1 h 23 min
